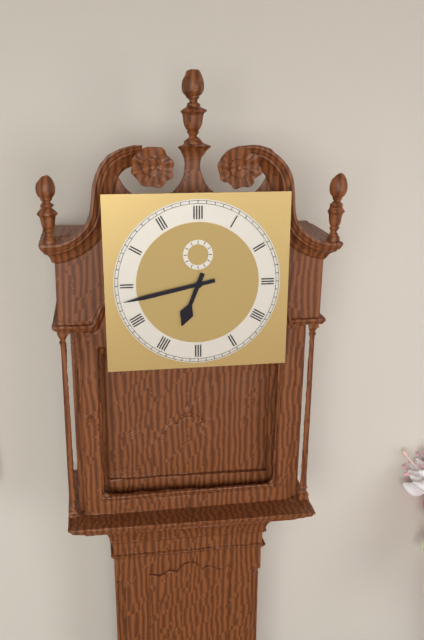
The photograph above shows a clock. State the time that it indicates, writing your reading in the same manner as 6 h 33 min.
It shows 6 h 43 min
